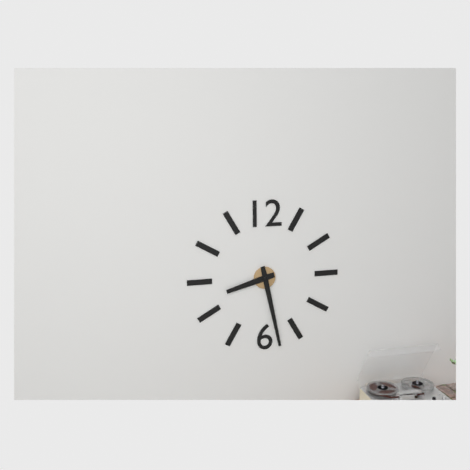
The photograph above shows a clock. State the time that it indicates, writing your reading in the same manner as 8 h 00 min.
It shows 8 h 28 min
